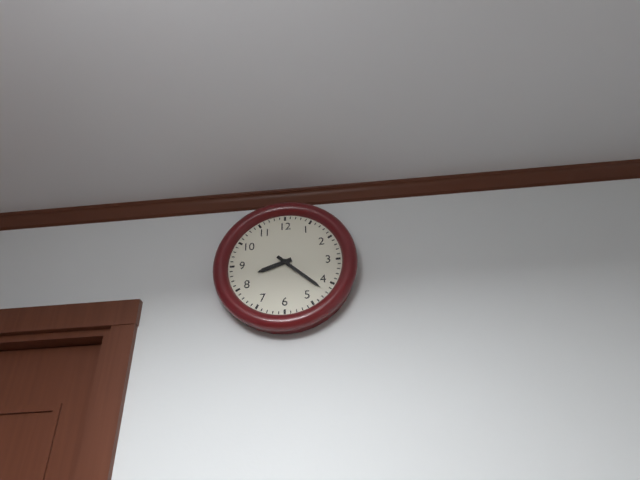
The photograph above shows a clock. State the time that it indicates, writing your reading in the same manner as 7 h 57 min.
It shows 8 h 22 min
